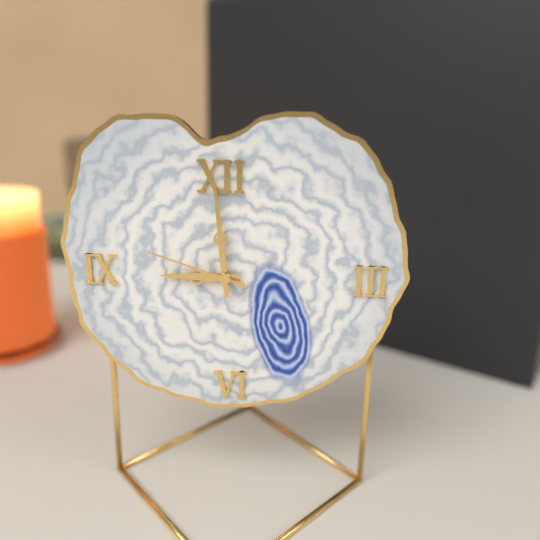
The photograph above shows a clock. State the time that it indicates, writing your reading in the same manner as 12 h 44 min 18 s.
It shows 8 h 59 min 48 s
